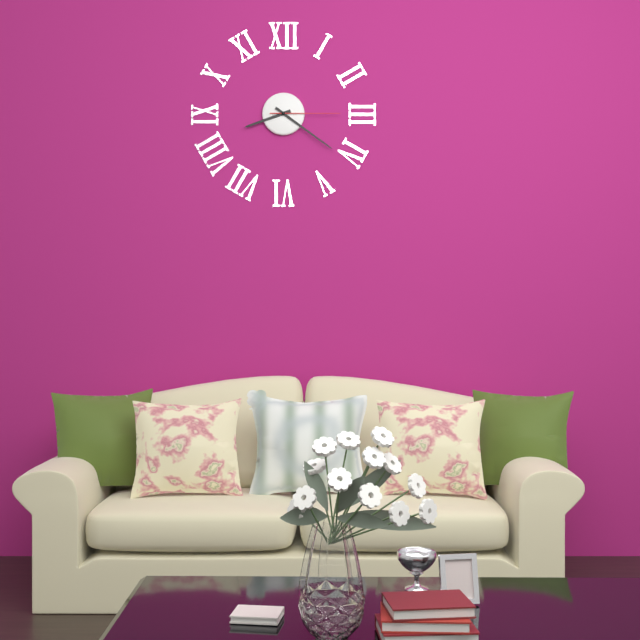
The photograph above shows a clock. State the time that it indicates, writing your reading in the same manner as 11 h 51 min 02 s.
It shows 8 h 21 min 15 s
